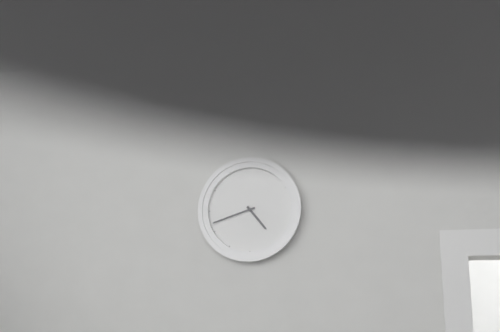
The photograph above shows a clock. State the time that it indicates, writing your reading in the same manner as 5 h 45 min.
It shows 4 h 42 min
